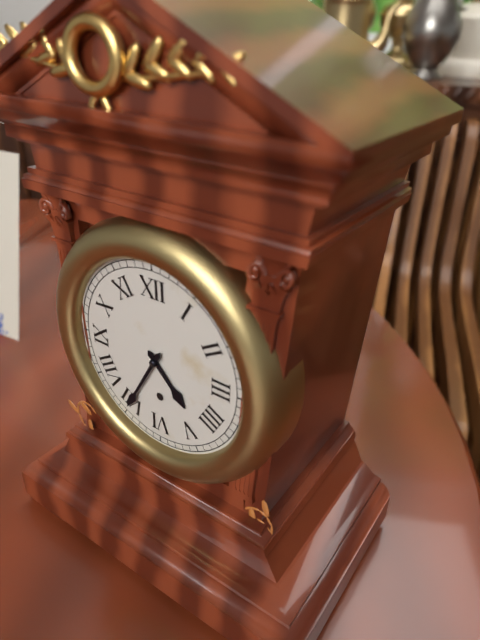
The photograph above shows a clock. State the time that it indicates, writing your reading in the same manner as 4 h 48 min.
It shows 4 h 35 min
